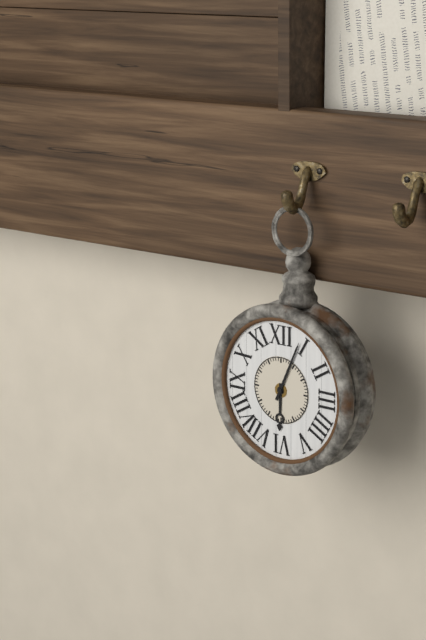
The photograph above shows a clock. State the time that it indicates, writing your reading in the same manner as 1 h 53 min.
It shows 6 h 04 min
